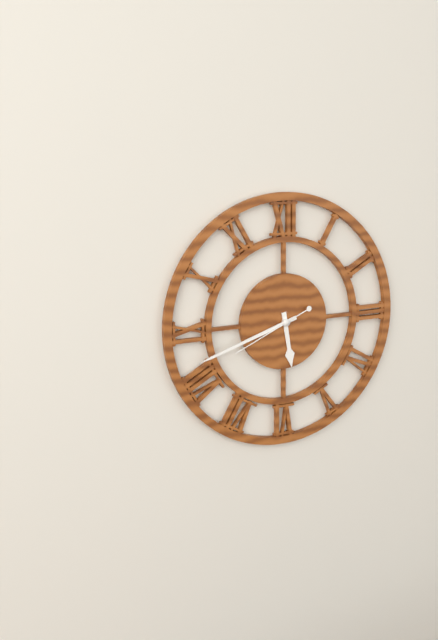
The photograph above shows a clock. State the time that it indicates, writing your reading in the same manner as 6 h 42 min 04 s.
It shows 5 h 42 min 41 s
